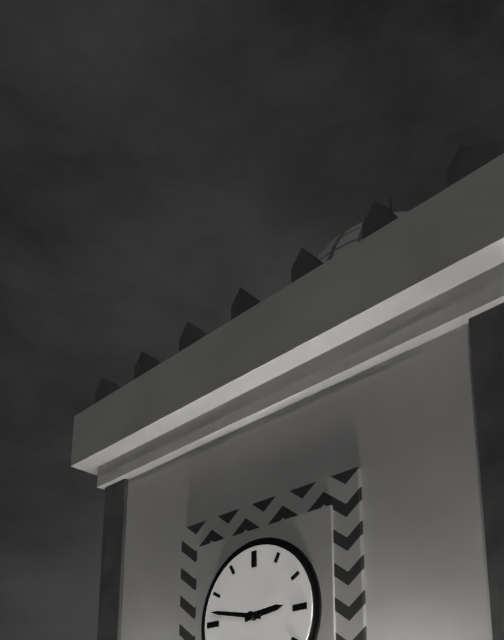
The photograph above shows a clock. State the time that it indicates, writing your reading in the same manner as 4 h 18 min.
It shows 2 h 47 min
